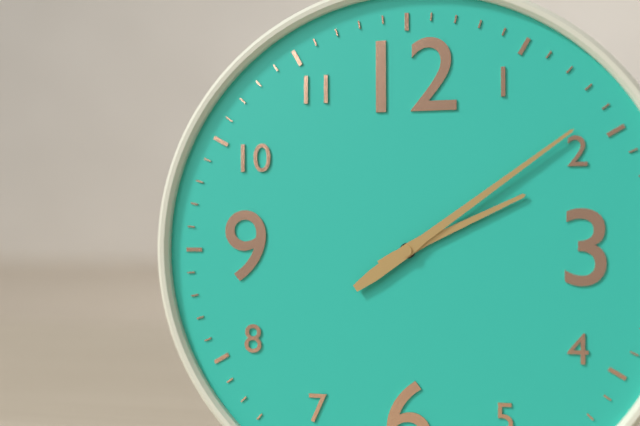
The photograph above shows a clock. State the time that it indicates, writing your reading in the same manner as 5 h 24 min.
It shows 2 h 09 min
